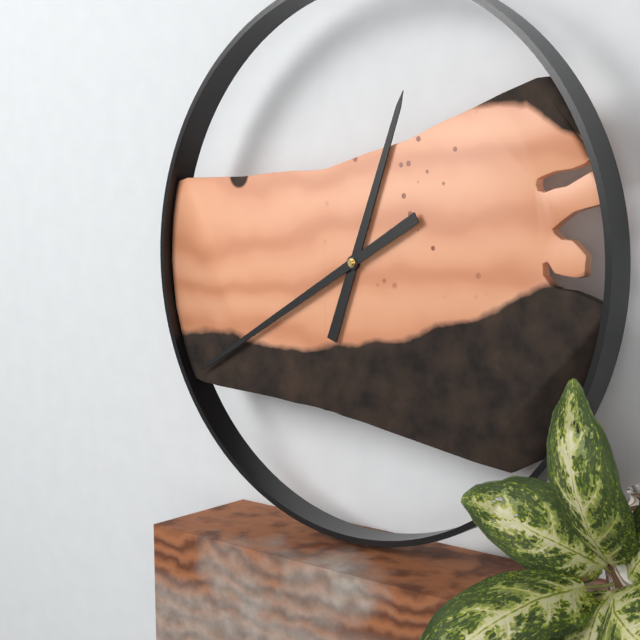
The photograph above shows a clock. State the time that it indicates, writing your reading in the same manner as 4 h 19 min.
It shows 12 h 40 min
